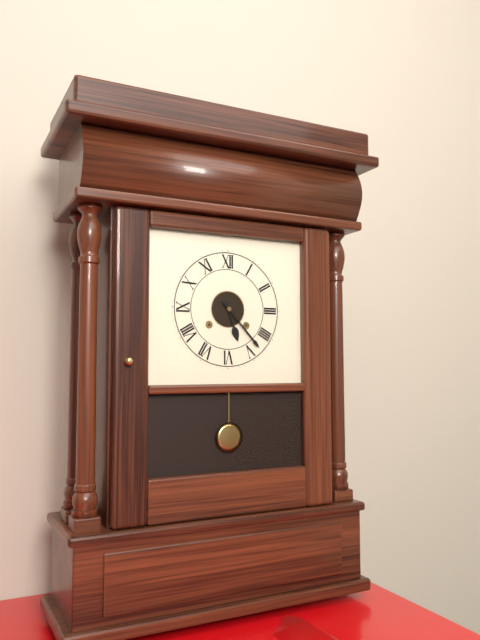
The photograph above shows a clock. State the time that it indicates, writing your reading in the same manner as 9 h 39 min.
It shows 5 h 23 min
